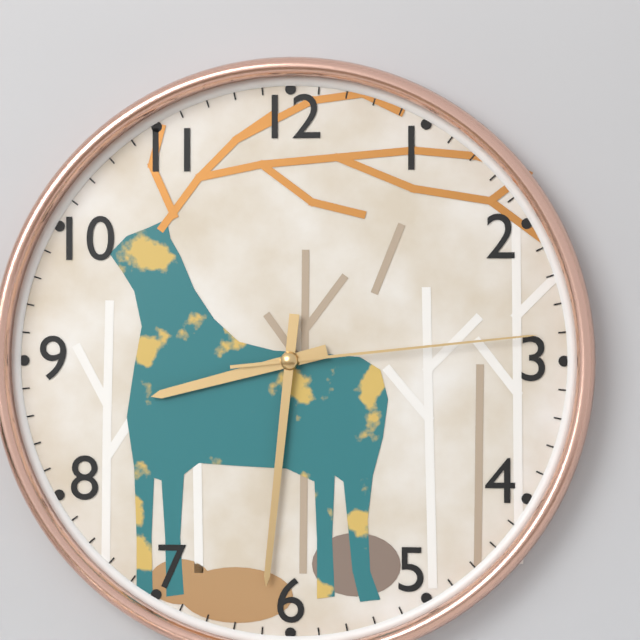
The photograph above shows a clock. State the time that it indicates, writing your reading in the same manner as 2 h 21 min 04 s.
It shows 8 h 31 min 14 s
